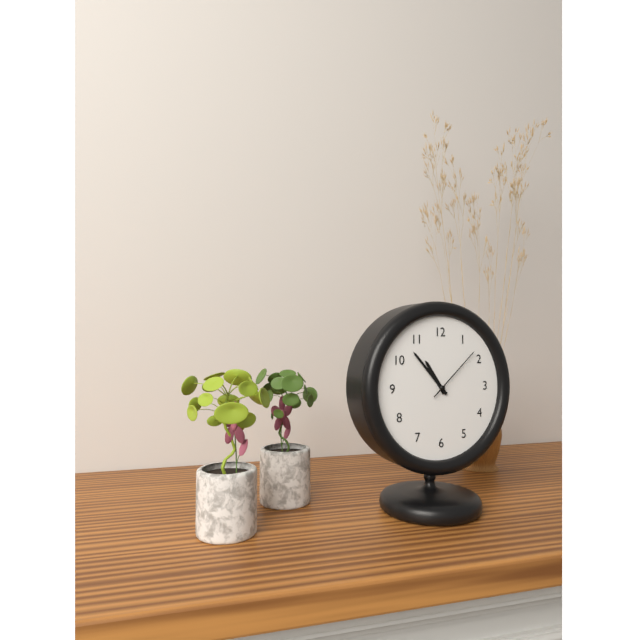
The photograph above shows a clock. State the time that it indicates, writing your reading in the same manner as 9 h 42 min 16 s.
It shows 10 h 53 min 08 s
